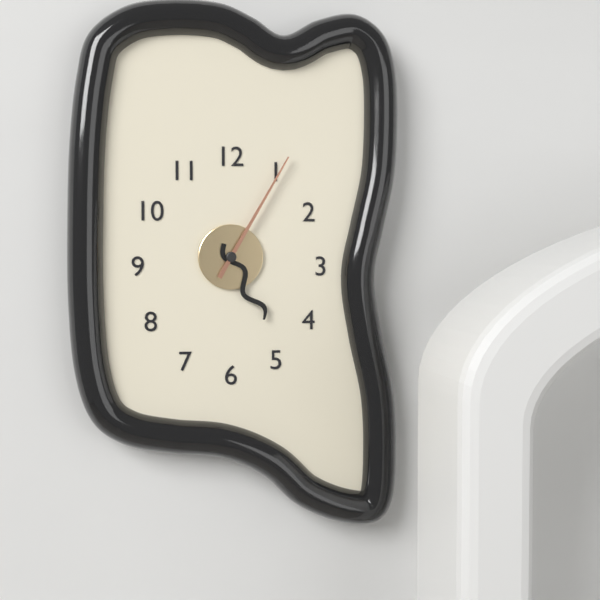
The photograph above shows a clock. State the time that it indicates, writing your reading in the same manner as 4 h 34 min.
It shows 5 h 05 min
